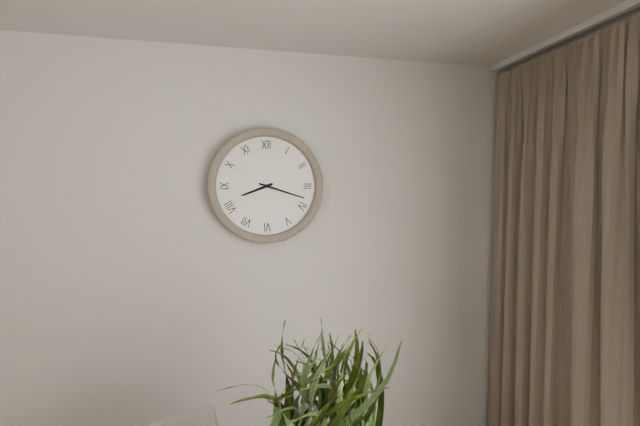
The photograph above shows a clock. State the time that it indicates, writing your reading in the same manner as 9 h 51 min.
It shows 8 h 18 min
